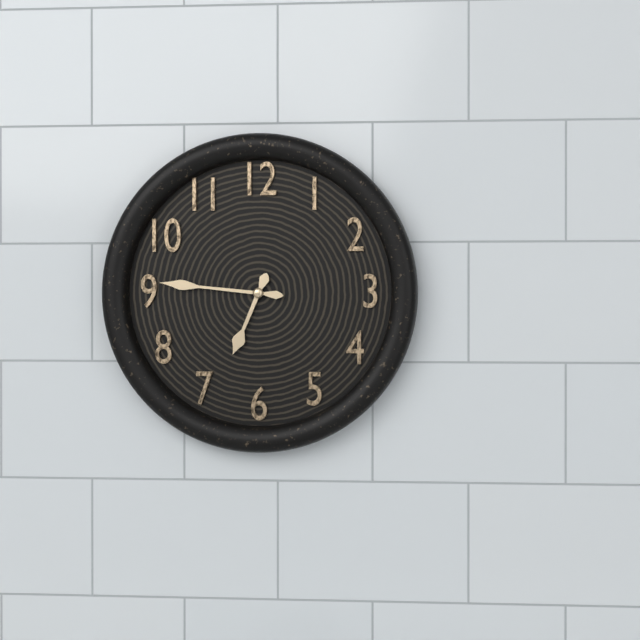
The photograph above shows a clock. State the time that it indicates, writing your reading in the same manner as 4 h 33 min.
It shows 6 h 46 min
